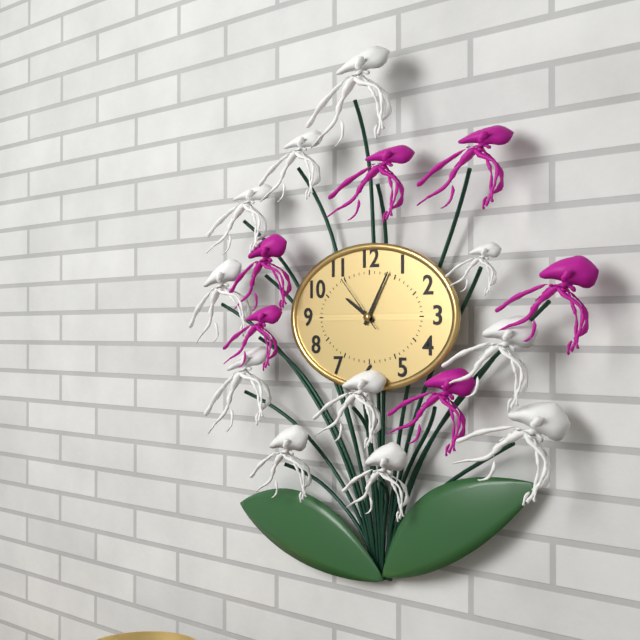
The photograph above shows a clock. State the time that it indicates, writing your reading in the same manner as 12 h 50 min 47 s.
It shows 10 h 05 min 53 s
